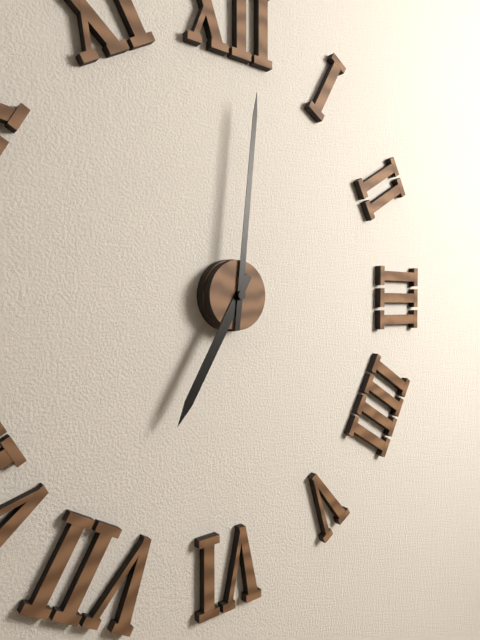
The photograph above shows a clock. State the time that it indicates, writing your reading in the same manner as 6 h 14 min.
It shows 7 h 01 min
